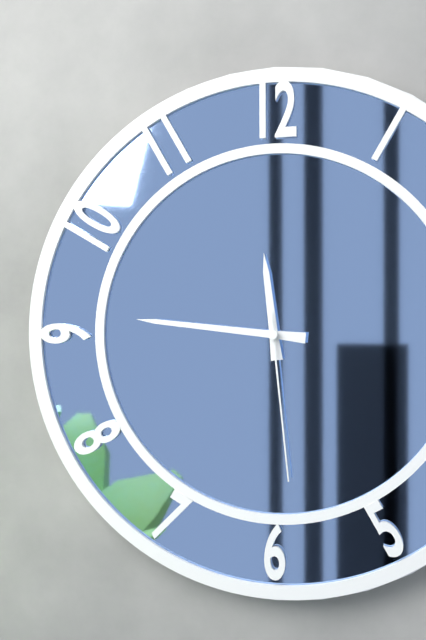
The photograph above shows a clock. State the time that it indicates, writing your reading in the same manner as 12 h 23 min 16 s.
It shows 11 h 46 min 29 s
